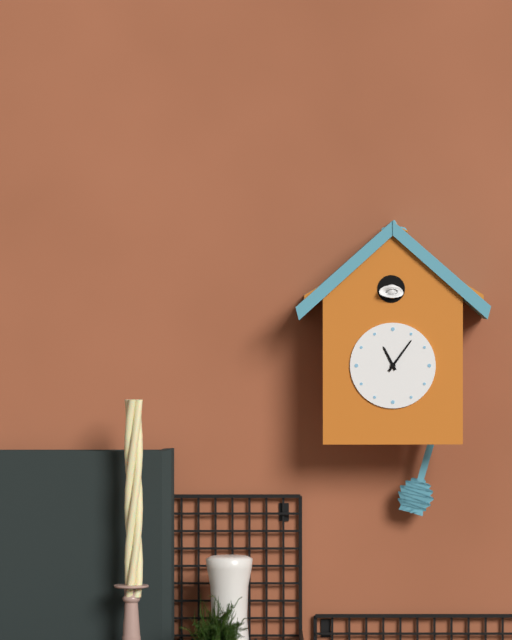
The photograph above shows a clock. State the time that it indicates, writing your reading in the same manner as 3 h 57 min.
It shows 11 h 06 min
